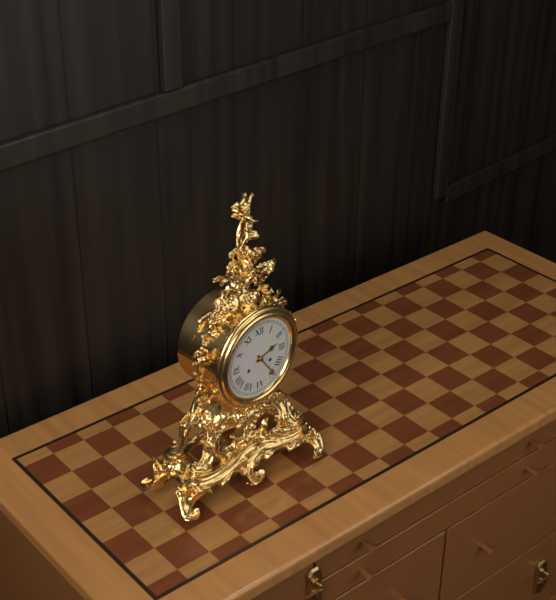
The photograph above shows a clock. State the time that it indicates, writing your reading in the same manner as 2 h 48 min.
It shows 2 h 24 min
